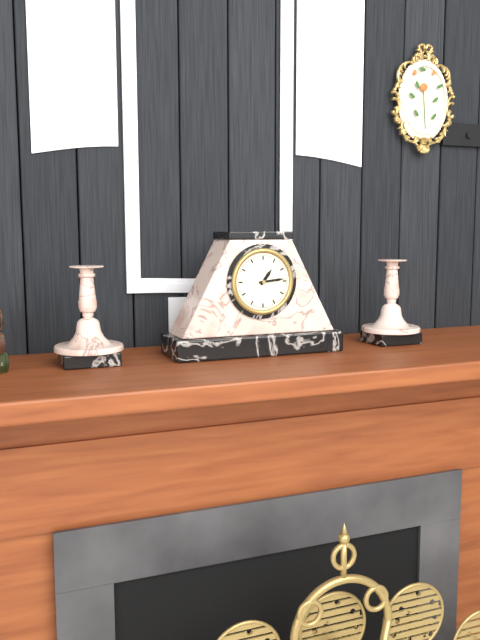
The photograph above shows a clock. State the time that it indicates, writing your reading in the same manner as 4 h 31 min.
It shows 1 h 14 min
